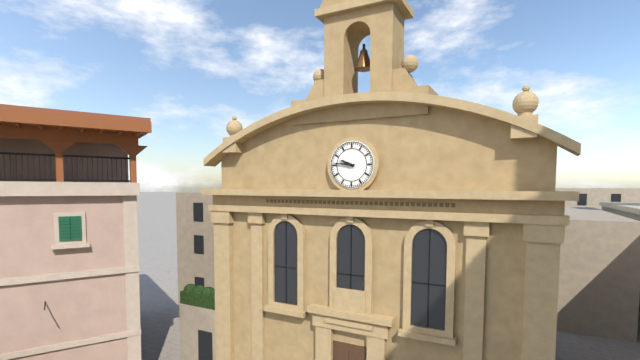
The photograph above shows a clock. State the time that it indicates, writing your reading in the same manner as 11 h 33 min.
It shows 9 h 46 min
